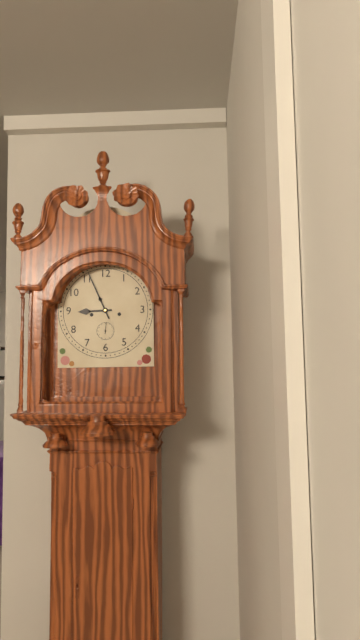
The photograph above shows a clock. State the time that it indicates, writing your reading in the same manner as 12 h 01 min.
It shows 8 h 56 min
